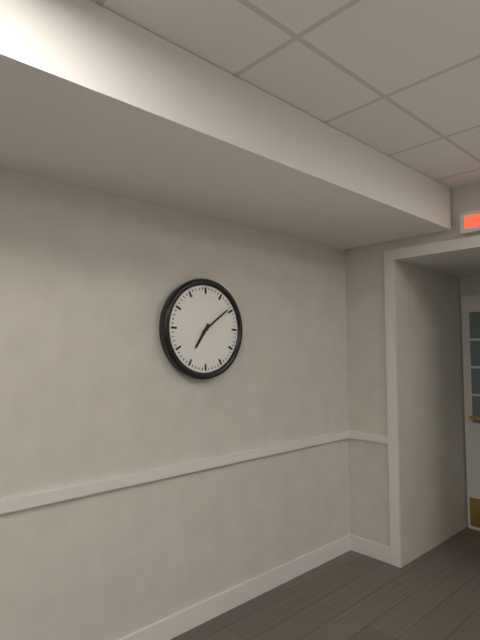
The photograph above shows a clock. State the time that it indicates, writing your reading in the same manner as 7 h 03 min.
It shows 7 h 09 min
